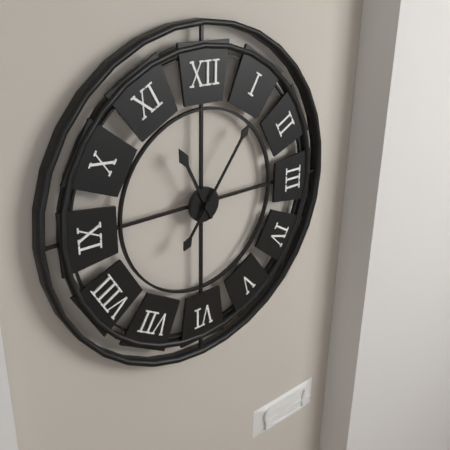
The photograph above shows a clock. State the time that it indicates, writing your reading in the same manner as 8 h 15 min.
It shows 11 h 06 min
